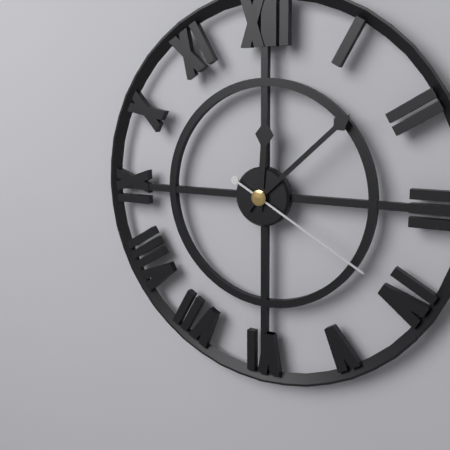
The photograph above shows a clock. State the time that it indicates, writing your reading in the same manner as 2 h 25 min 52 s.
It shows 12 h 08 min 20 s
